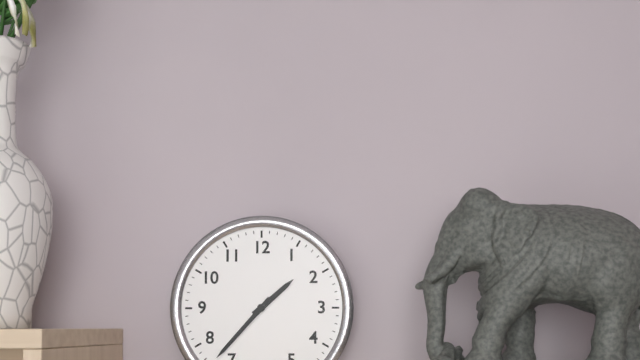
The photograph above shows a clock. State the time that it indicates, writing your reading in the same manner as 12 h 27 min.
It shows 1 h 37 min
